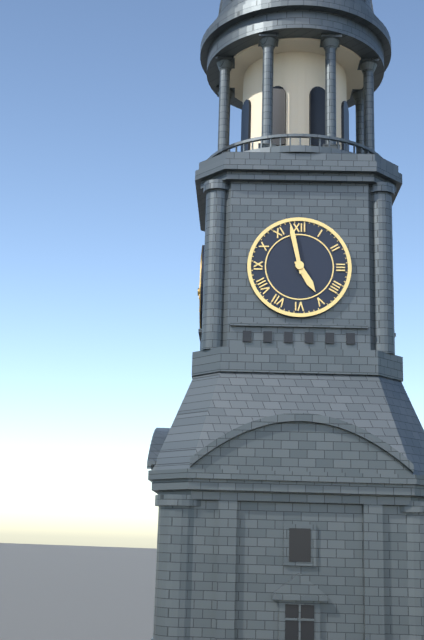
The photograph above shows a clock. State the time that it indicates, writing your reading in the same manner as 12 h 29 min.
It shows 4 h 58 min
